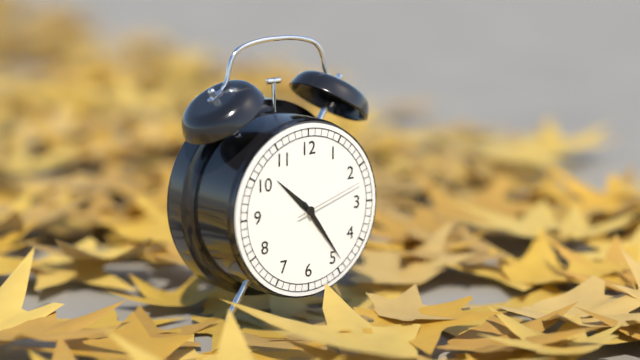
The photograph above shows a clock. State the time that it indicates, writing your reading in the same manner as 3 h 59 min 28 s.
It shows 10 h 24 min 12 s
